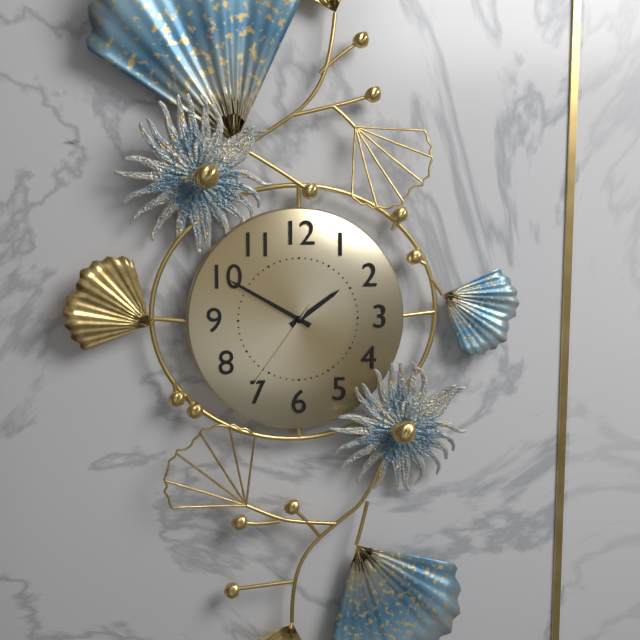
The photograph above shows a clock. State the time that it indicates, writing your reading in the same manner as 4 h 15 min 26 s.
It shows 1 h 50 min 36 s
